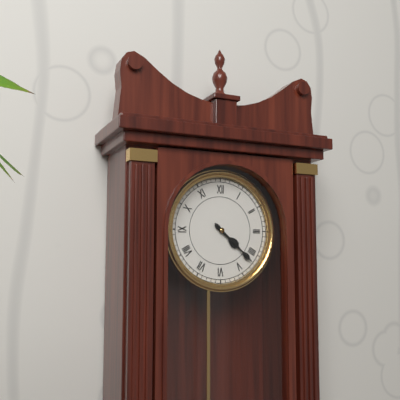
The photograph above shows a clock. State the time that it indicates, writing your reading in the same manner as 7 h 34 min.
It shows 4 h 22 min
